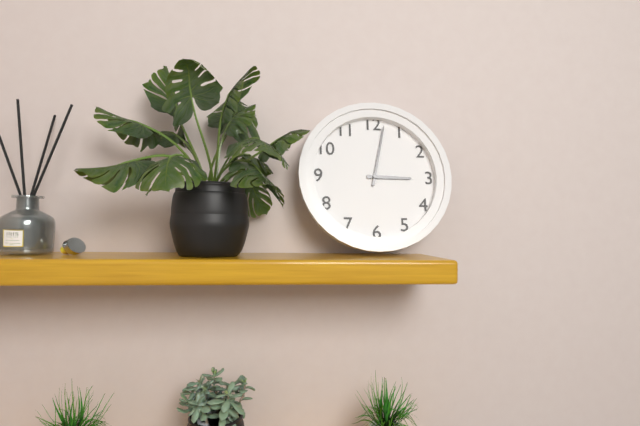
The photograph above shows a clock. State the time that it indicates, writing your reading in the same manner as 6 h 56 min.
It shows 3 h 02 min
